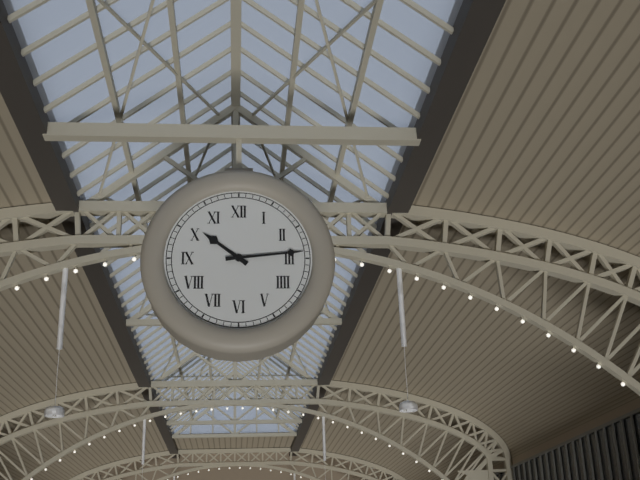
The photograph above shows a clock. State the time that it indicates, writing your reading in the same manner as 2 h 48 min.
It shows 10 h 14 min
